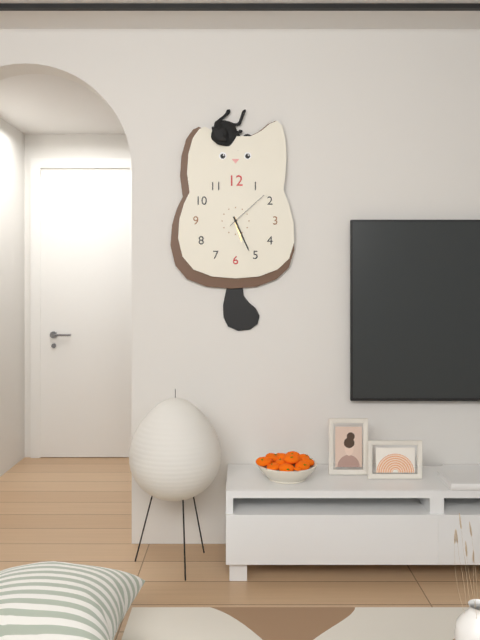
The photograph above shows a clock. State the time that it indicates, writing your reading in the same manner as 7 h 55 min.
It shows 5 h 26 min
